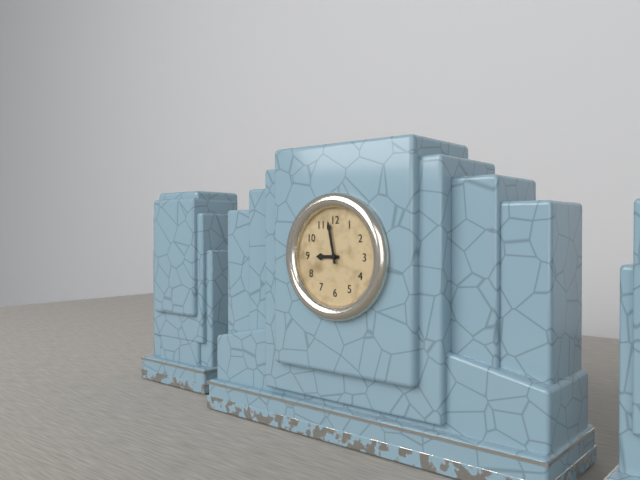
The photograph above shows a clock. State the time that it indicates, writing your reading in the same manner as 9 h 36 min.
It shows 8 h 58 min
